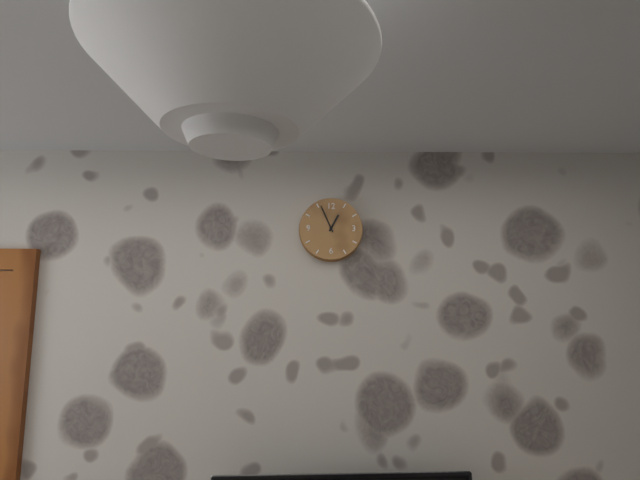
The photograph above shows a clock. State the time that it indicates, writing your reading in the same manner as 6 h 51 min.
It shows 12 h 56 min
